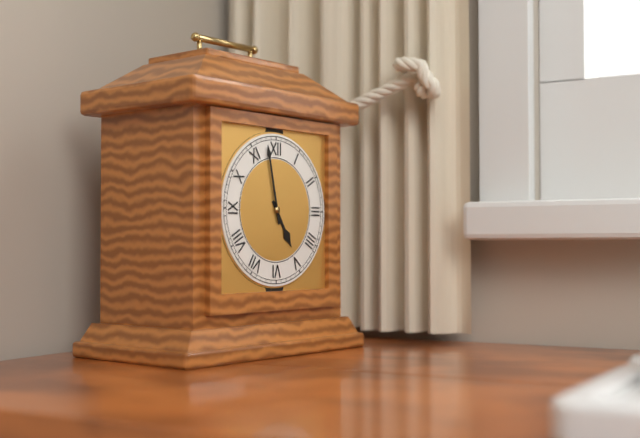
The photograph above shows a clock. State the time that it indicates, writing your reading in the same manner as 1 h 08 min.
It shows 4 h 58 min
